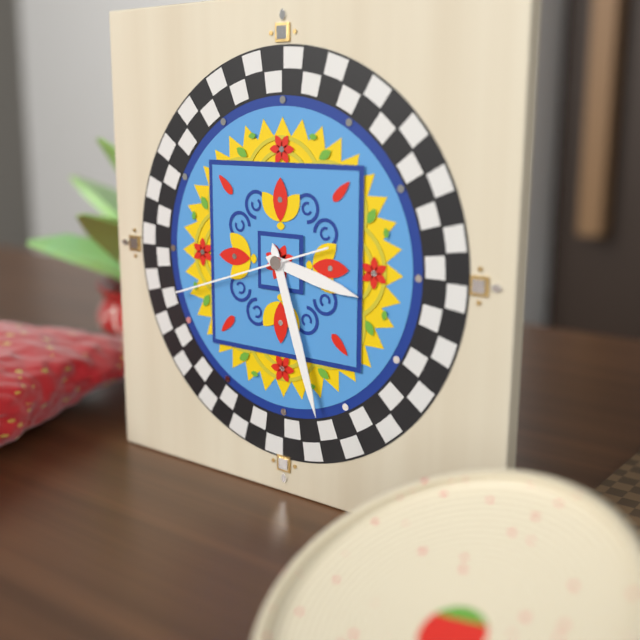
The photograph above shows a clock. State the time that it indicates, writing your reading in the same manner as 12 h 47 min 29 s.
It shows 3 h 27 min 42 s
